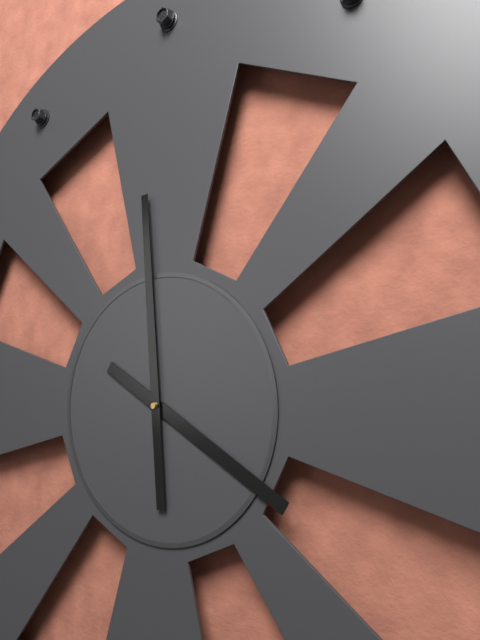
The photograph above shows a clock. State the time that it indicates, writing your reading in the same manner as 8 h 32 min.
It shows 3 h 59 min
